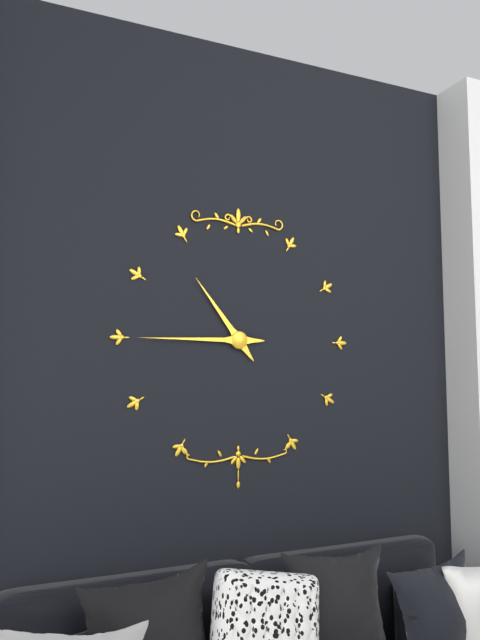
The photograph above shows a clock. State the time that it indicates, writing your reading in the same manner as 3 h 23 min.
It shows 10 h 45 min
